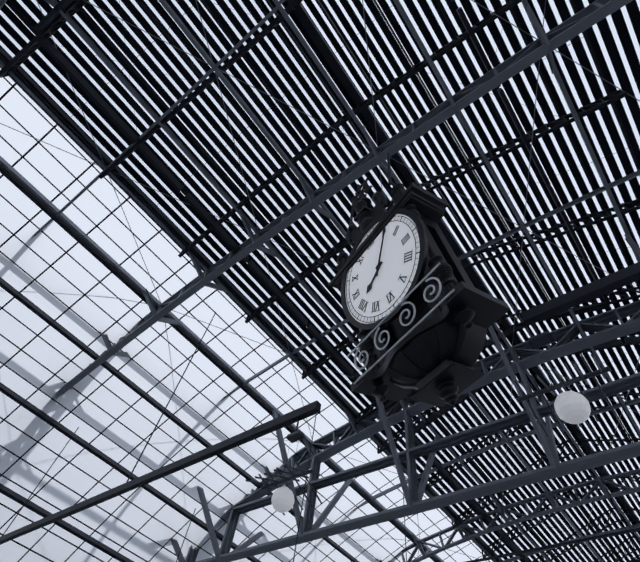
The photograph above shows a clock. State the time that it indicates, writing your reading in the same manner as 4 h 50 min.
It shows 8 h 06 min
